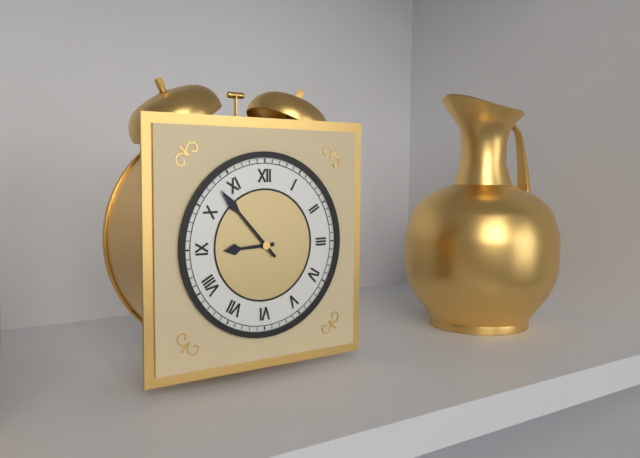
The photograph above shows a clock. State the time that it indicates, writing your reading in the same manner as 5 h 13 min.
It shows 8 h 53 min
